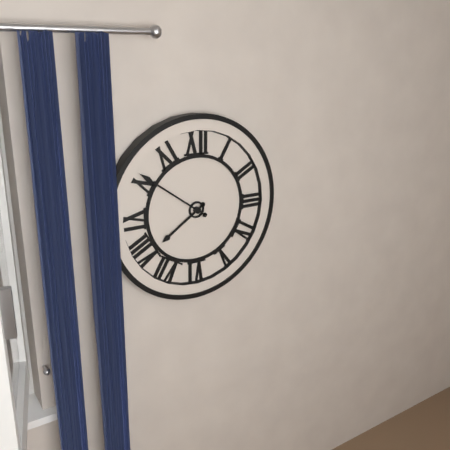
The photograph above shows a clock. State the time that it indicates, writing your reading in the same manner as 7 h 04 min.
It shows 7 h 51 min
